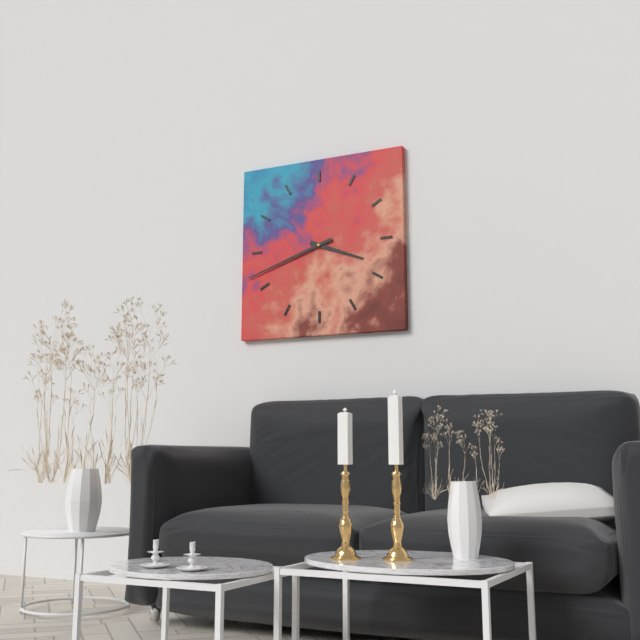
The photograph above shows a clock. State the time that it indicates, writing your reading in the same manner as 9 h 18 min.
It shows 3 h 42 min
